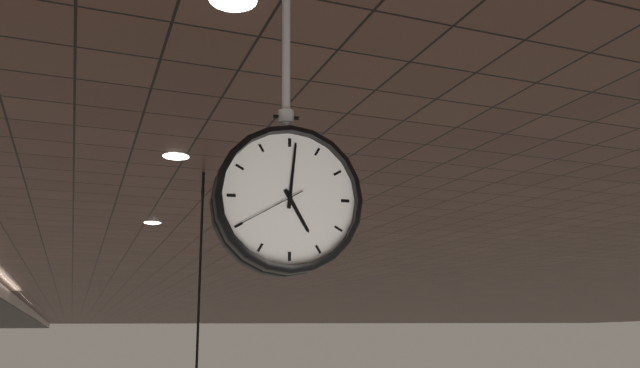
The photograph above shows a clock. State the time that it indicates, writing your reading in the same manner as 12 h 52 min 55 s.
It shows 5 h 01 min 40 s
